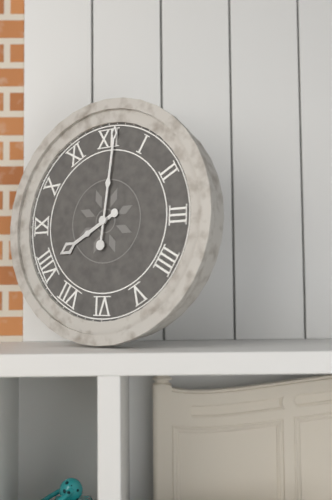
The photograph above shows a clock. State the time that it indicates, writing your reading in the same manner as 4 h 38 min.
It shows 8 h 01 min
